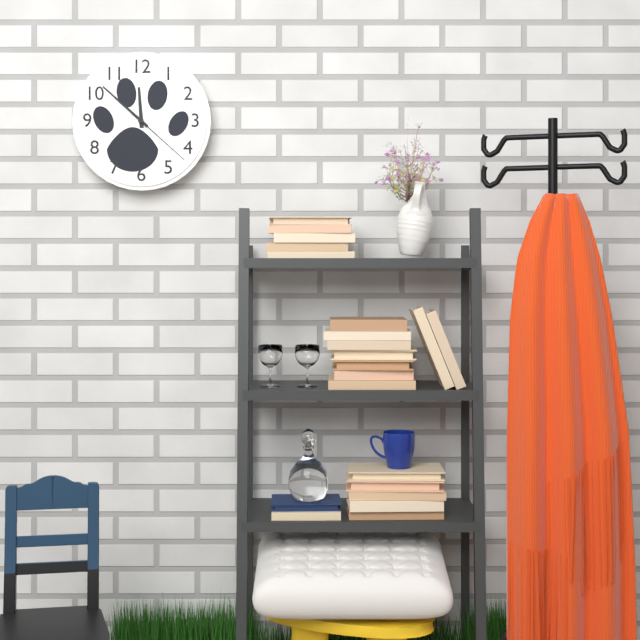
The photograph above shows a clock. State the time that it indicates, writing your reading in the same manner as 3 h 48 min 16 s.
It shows 11 h 52 min 22 s
